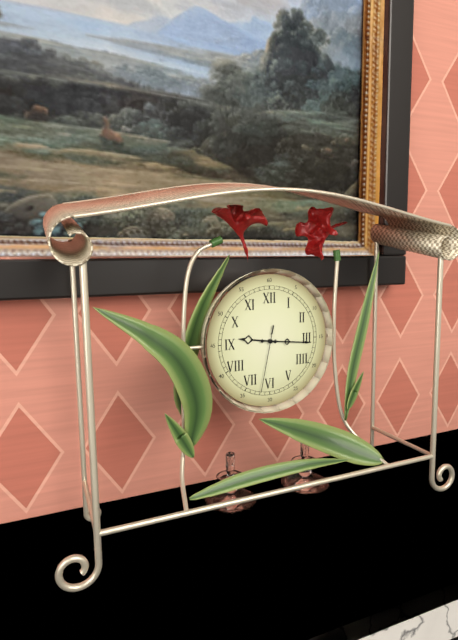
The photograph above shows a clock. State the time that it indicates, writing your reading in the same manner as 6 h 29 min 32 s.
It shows 9 h 16 min 32 s
